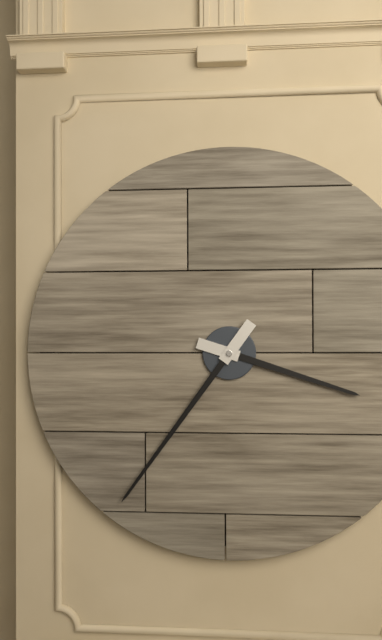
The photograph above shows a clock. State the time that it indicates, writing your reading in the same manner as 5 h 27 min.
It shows 3 h 36 min
